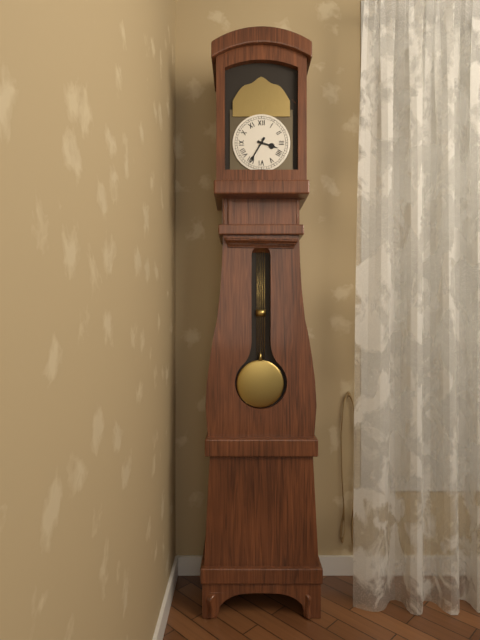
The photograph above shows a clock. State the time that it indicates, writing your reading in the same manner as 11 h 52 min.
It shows 3 h 35 min
